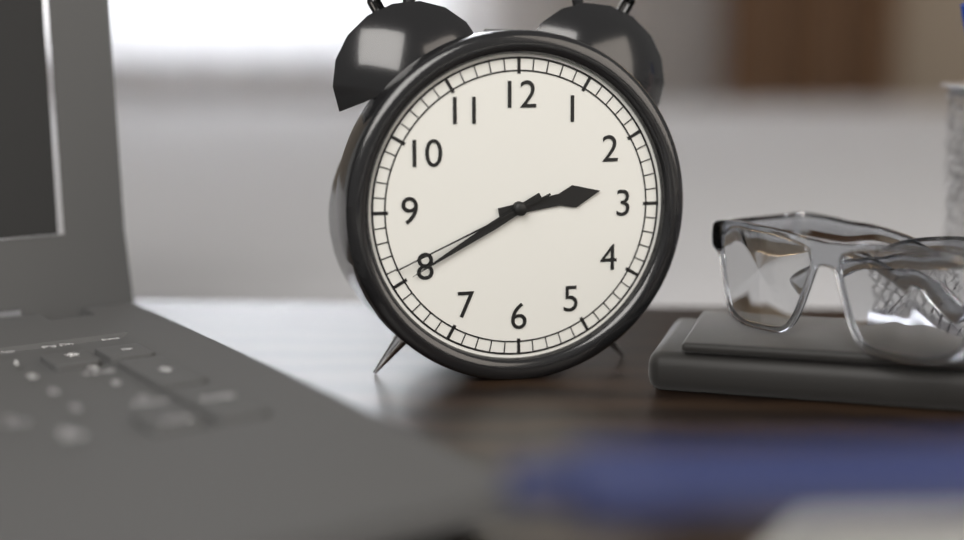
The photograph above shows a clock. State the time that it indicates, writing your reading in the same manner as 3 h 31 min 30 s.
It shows 2 h 40 min 41 s
